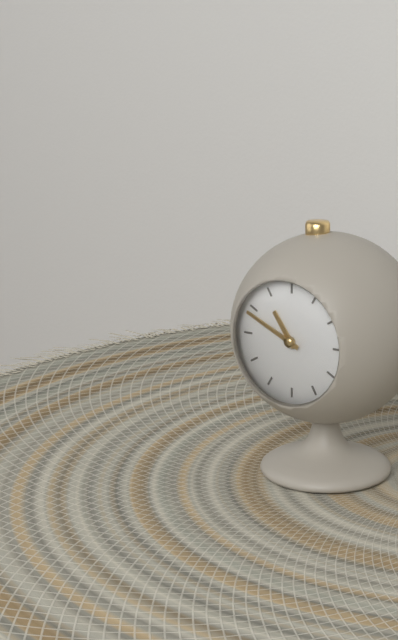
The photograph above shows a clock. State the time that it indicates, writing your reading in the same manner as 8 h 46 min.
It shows 10 h 49 min
